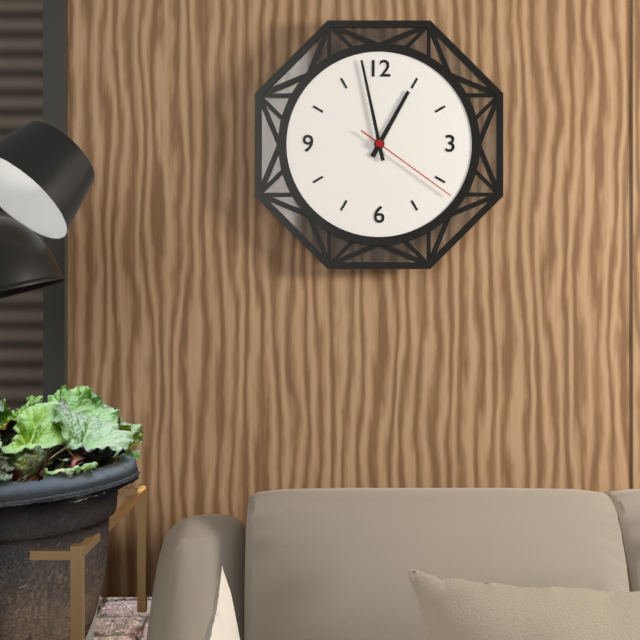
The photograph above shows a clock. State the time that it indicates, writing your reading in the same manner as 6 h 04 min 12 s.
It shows 12 h 58 min 21 s
